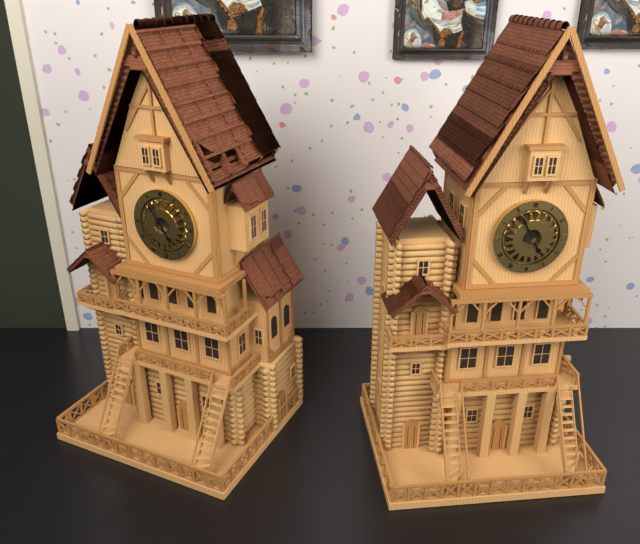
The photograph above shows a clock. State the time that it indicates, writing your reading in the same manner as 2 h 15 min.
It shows 4 h 55 min
